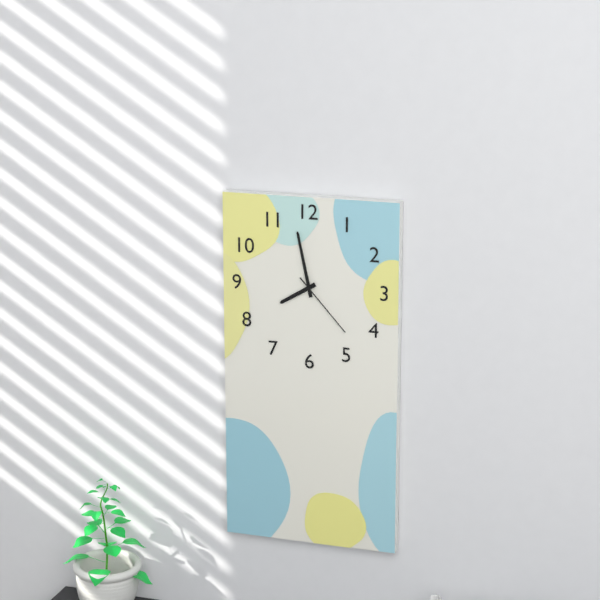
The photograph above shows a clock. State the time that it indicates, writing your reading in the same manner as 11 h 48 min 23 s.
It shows 7 h 58 min 23 s
